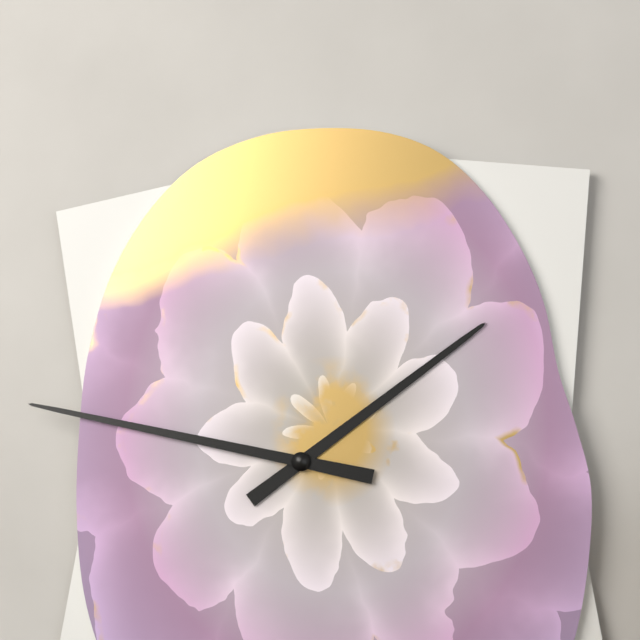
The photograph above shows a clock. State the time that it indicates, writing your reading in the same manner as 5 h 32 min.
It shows 1 h 47 min
